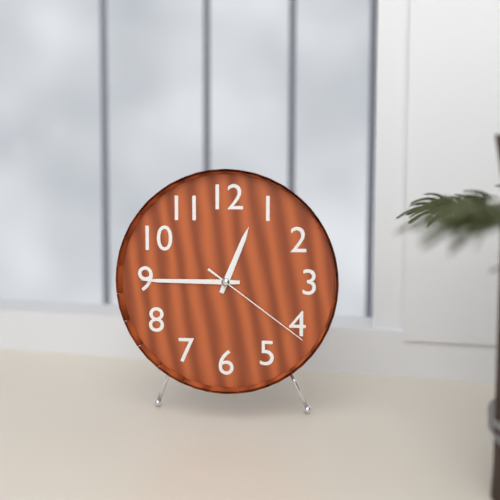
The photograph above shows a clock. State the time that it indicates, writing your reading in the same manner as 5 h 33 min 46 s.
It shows 12 h 45 min 21 s
